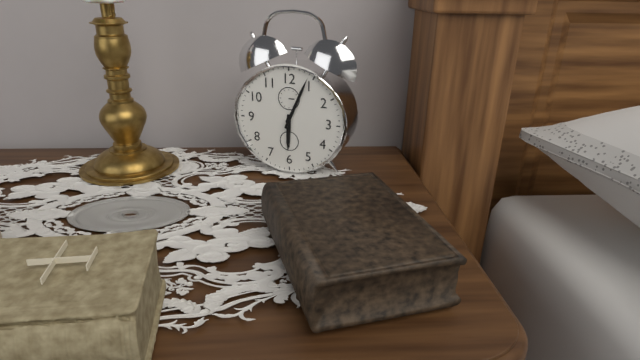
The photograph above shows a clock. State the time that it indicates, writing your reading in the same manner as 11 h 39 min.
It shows 6 h 04 min
